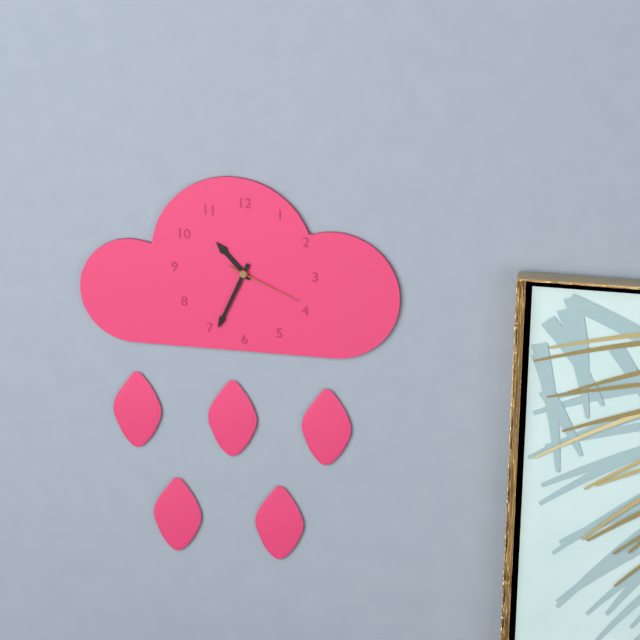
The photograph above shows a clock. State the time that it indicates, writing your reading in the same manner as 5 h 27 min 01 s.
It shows 10 h 34 min 19 s
